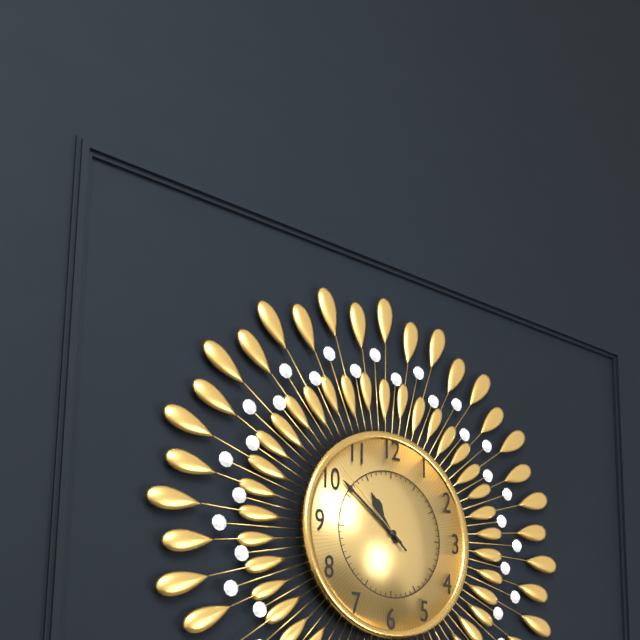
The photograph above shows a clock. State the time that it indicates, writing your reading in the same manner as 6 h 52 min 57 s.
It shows 10 h 51 min 52 s
